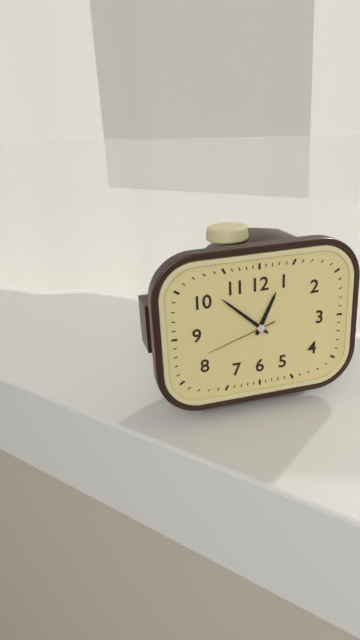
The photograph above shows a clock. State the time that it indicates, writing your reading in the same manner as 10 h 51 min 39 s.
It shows 12 h 52 min 42 s
